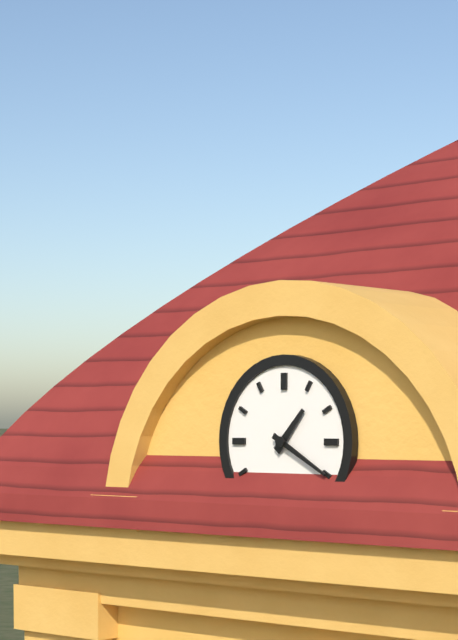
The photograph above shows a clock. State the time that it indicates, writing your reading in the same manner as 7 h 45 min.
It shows 1 h 20 min
